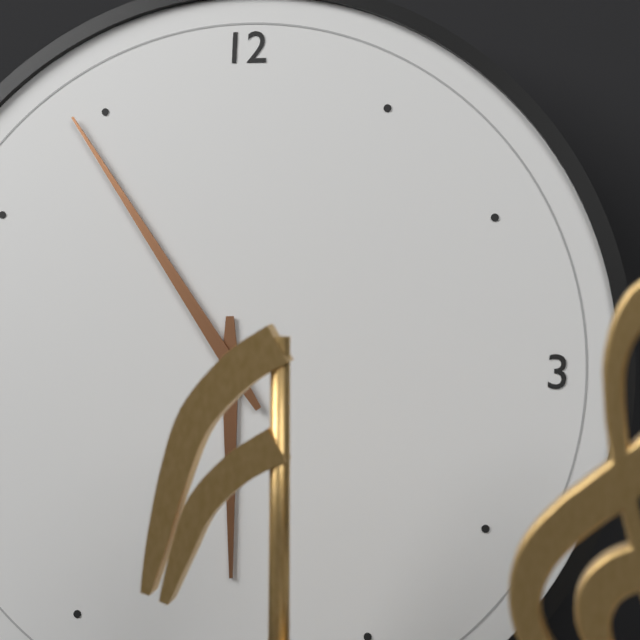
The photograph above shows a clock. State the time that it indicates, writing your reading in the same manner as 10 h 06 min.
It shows 5 h 54 min
